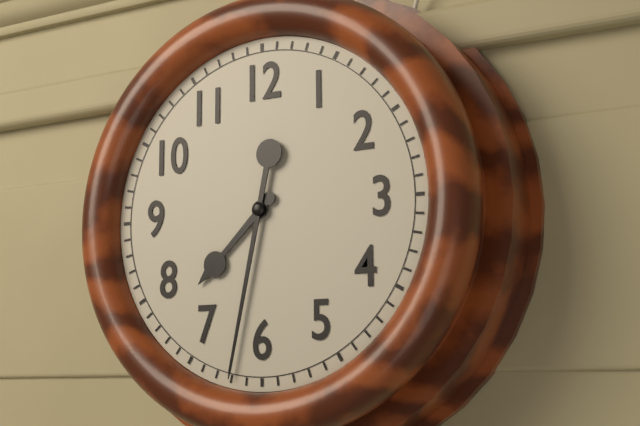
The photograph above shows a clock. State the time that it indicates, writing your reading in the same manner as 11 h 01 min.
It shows 7 h 32 min
